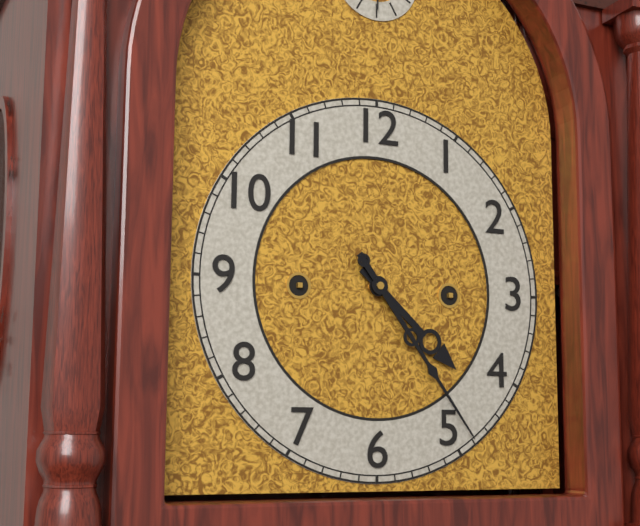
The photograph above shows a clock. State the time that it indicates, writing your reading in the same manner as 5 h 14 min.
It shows 4 h 24 min
